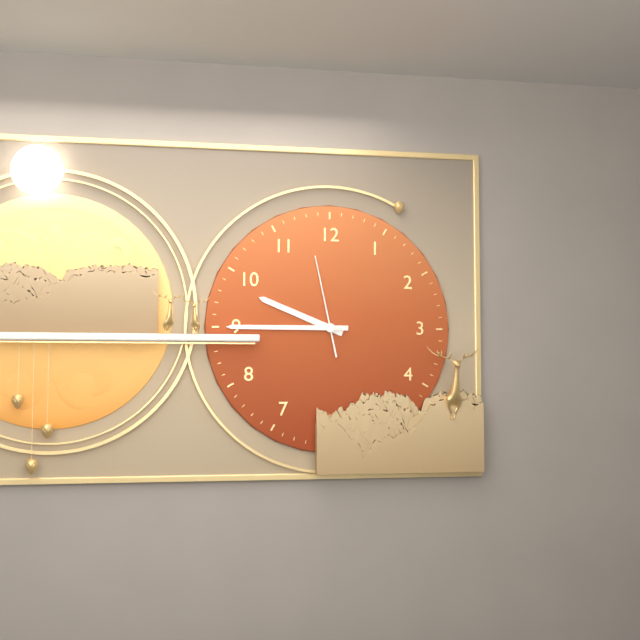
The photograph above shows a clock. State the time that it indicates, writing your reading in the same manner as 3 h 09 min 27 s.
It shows 9 h 45 min 58 s
